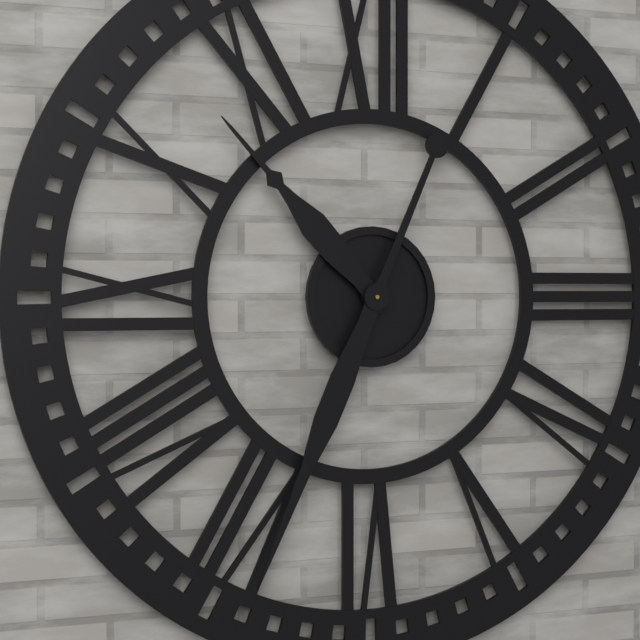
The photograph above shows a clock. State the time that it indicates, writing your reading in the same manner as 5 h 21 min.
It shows 10 h 34 min
